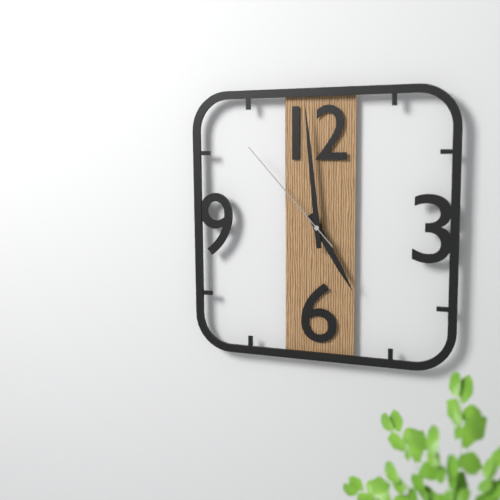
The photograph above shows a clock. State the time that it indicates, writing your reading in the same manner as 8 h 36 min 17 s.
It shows 4 h 59 min 53 s
